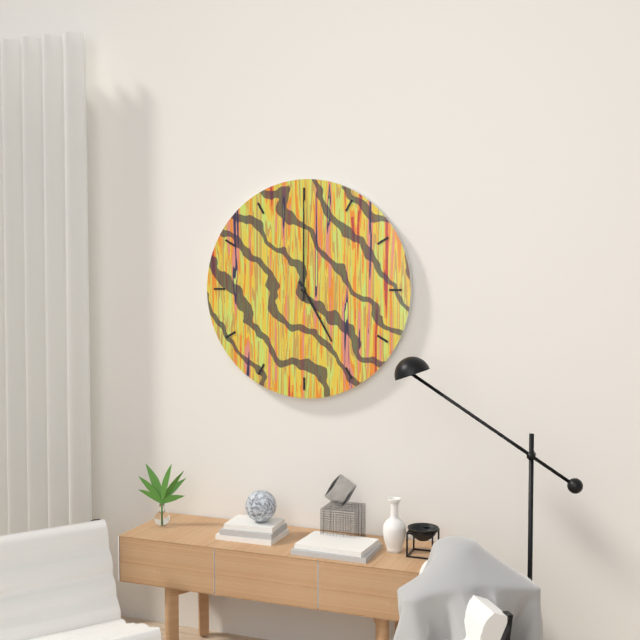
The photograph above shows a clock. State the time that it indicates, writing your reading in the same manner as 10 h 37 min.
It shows 5 h 00 min
